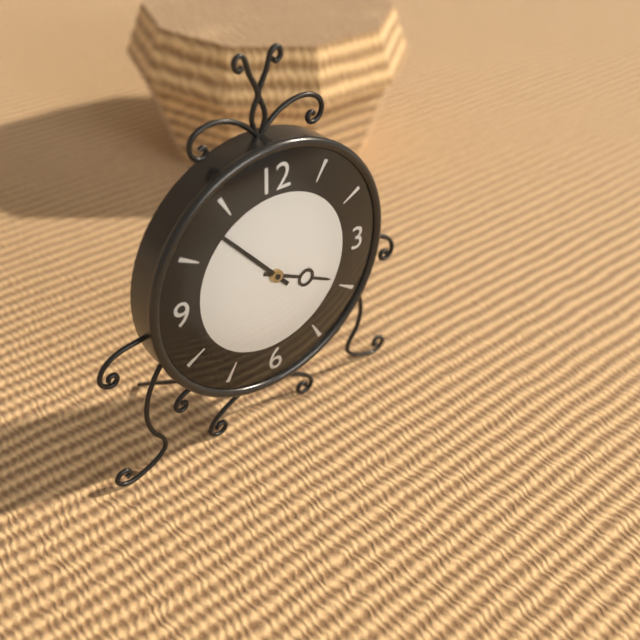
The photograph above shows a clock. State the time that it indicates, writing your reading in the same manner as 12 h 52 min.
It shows 3 h 53 min
